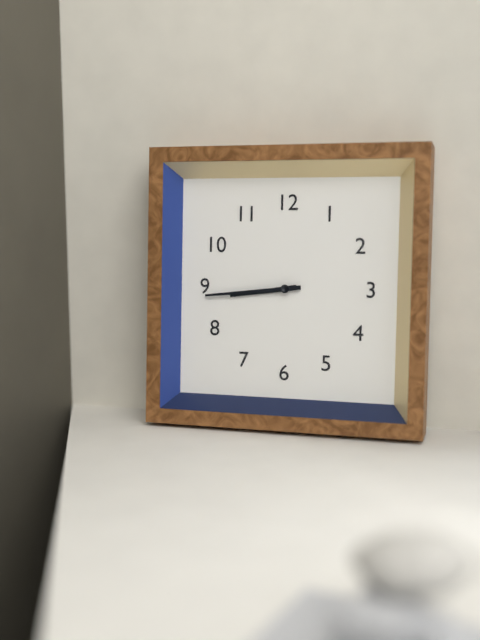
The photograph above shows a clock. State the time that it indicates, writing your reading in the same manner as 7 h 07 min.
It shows 8 h 44 min
